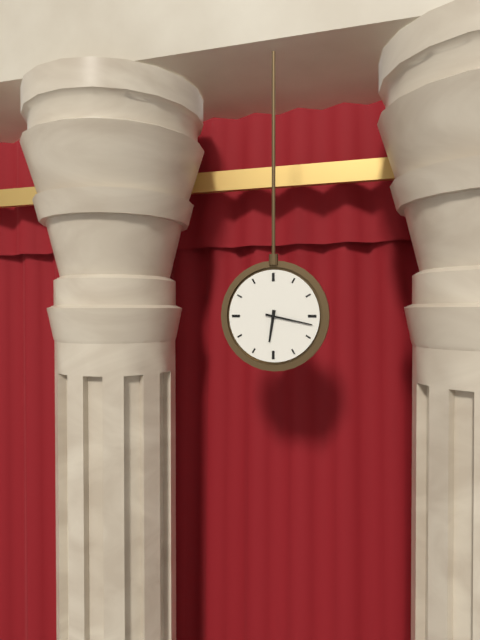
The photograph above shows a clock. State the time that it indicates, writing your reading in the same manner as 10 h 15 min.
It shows 6 h 17 min
